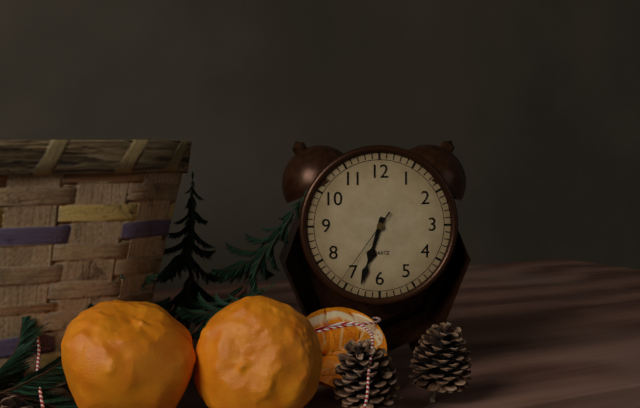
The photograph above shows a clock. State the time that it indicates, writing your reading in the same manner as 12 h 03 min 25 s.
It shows 6 h 33 min 36 s
